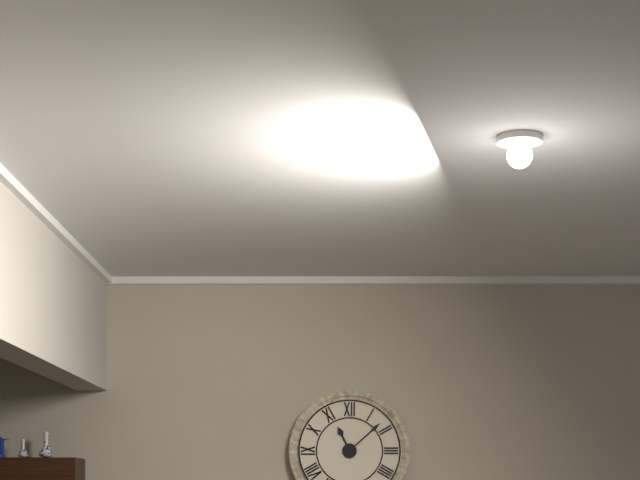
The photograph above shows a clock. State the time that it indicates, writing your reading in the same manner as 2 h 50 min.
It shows 11 h 08 min
